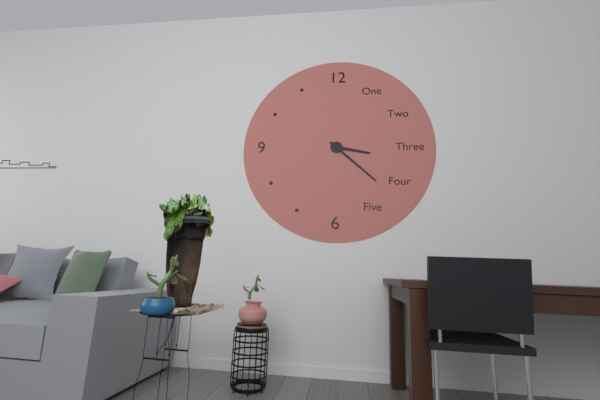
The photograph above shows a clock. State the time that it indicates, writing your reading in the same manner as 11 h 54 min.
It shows 3 h 22 min
